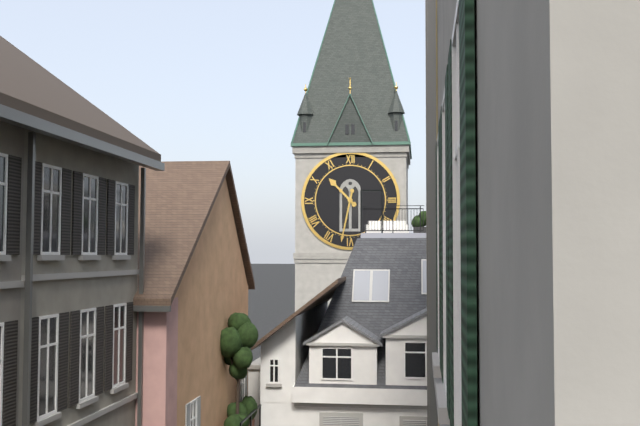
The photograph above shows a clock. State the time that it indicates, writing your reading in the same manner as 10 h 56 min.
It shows 10 h 32 min
